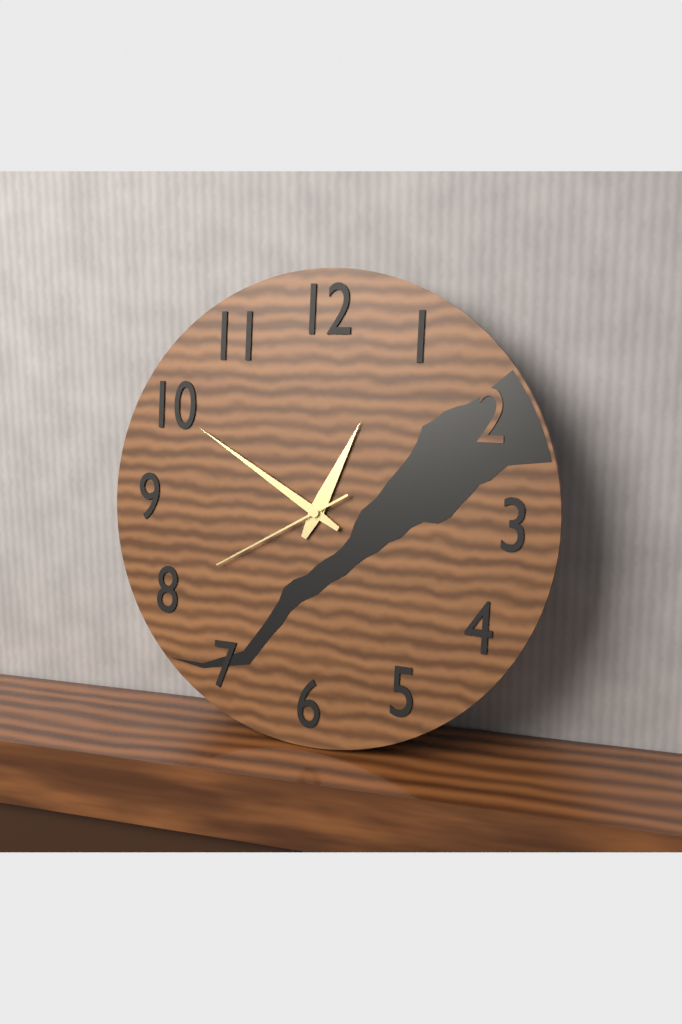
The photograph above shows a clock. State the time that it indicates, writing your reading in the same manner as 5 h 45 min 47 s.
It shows 12 h 50 min 40 s
